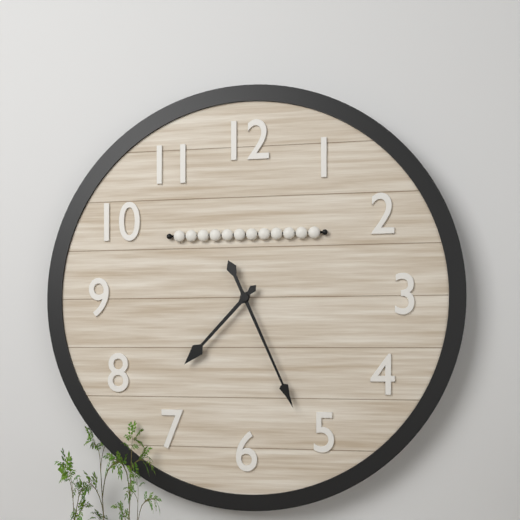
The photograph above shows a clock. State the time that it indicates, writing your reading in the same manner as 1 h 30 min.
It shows 7 h 26 min
